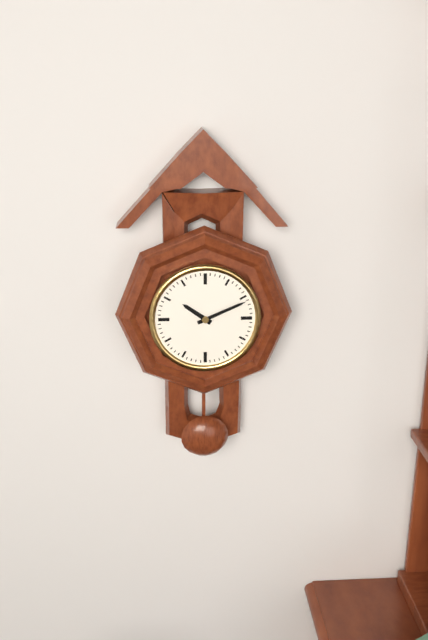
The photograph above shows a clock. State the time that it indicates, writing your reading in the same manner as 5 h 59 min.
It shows 10 h 11 min
